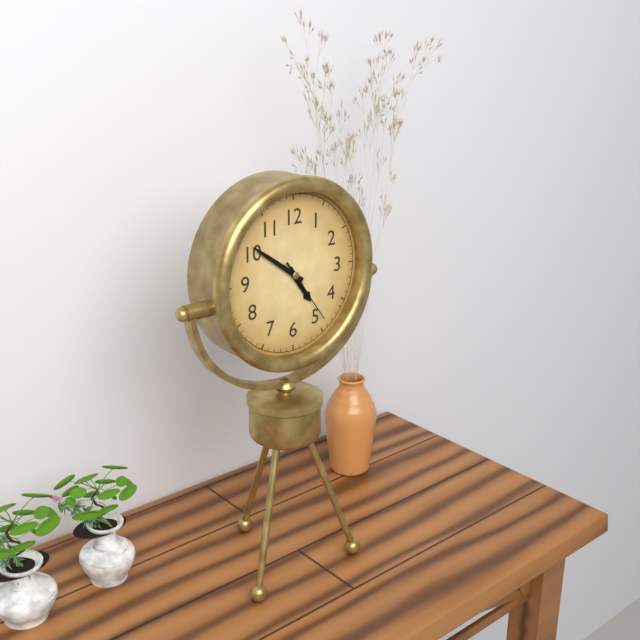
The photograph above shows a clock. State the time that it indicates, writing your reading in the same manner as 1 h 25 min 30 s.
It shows 4 h 51 min 24 s
